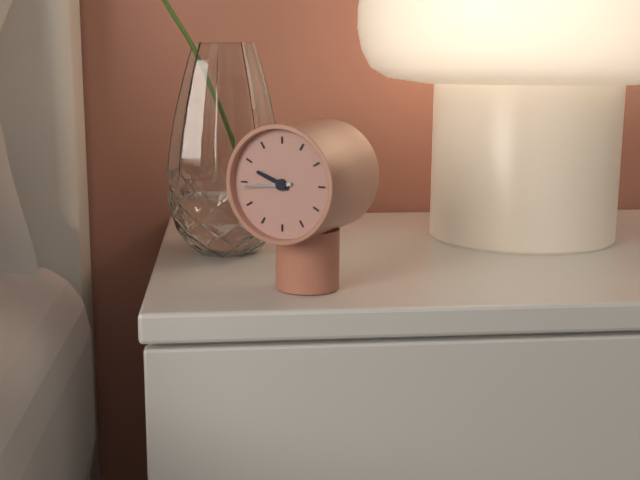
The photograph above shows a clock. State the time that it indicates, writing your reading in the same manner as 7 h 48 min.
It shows 9 h 44 min
